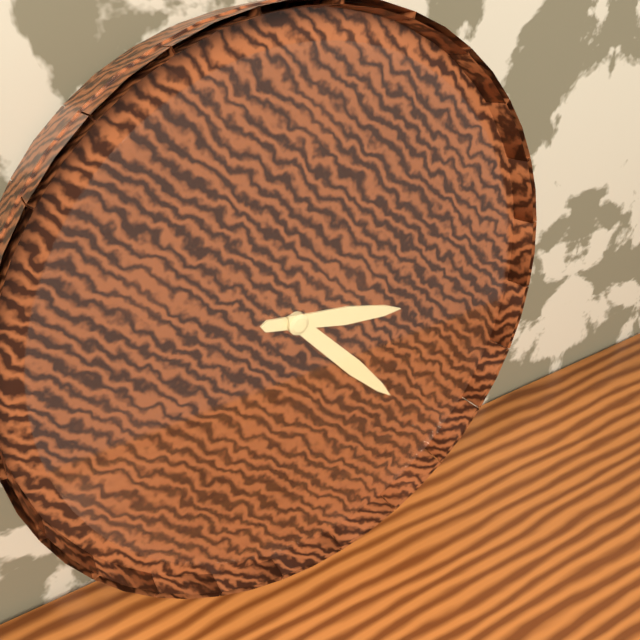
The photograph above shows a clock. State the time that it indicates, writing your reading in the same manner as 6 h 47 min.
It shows 3 h 23 min
